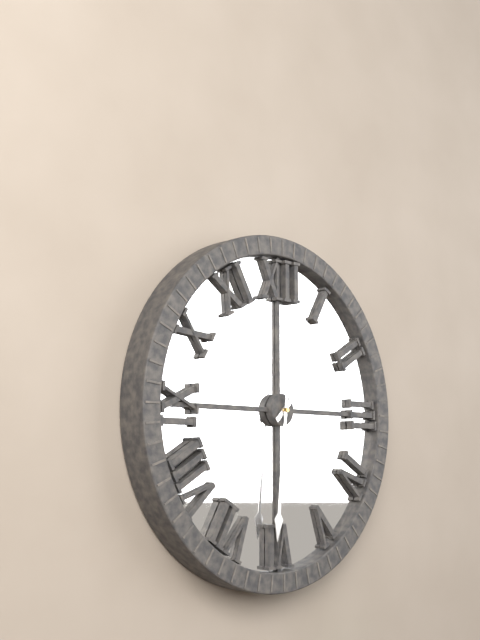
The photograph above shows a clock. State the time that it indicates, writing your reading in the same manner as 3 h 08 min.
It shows 1 h 31 min
